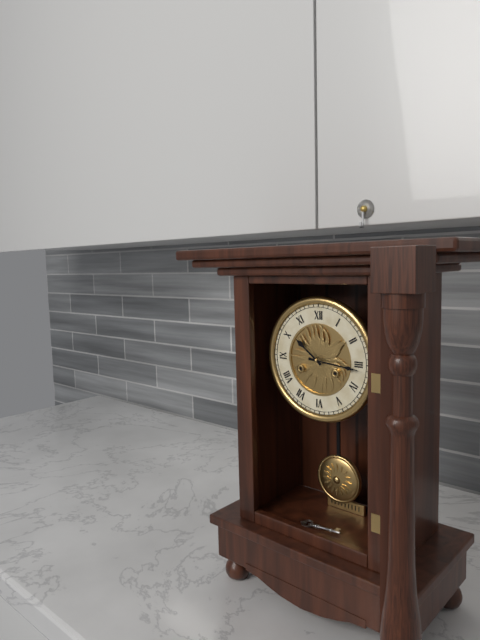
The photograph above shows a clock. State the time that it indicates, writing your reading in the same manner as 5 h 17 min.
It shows 10 h 16 min
